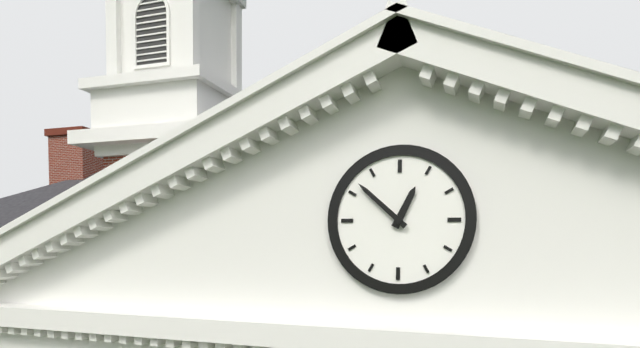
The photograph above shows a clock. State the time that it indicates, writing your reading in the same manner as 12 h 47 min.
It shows 12 h 52 min
